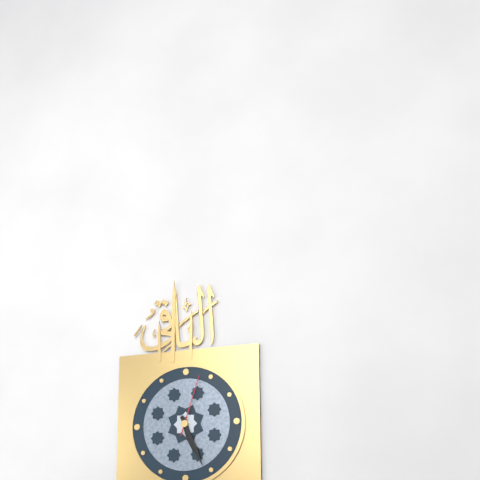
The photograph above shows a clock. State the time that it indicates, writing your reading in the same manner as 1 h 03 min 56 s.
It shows 5 h 26 min 03 s
